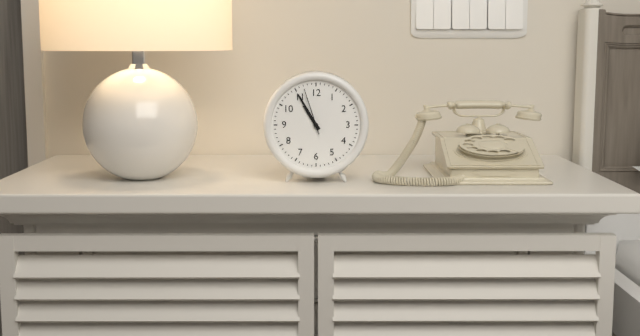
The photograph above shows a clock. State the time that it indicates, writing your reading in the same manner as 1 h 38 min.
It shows 10 h 55 min
